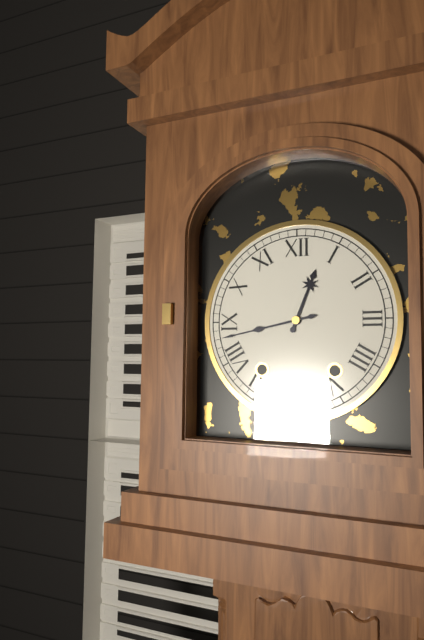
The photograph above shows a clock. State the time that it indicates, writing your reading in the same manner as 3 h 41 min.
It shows 12 h 43 min
